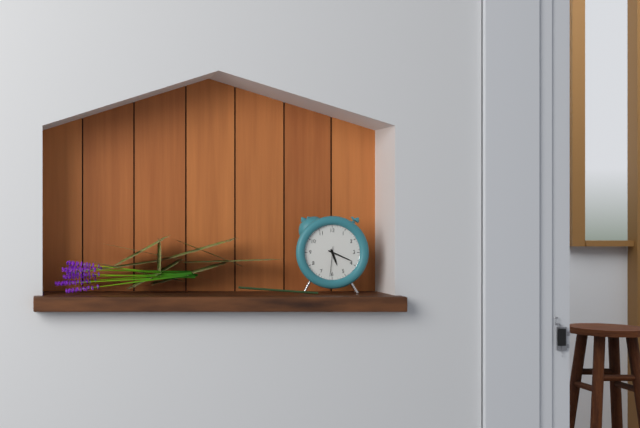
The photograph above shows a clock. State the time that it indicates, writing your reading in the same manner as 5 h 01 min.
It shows 5 h 19 min
